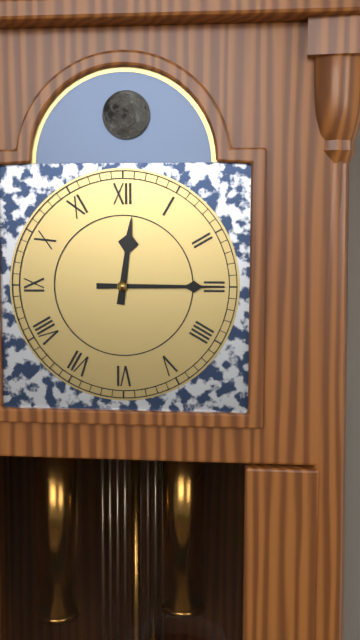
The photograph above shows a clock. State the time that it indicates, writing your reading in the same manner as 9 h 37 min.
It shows 12 h 15 min
